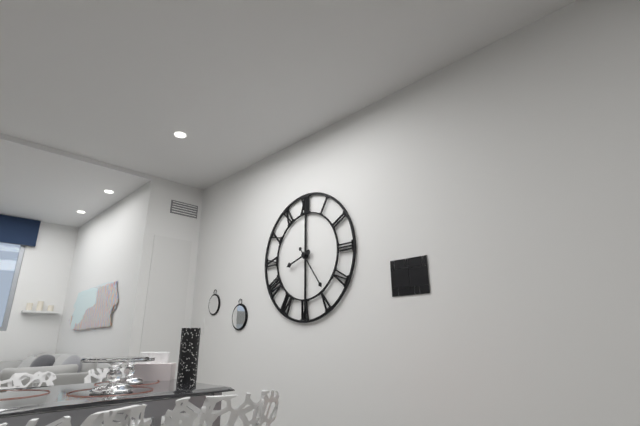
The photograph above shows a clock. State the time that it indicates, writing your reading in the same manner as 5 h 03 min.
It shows 8 h 24 min
